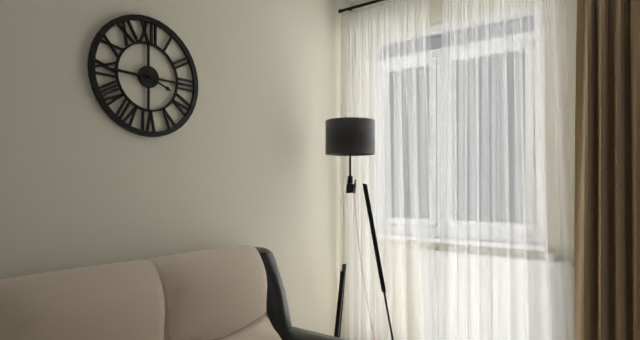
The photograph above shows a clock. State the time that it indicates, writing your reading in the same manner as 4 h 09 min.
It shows 3 h 45 min
